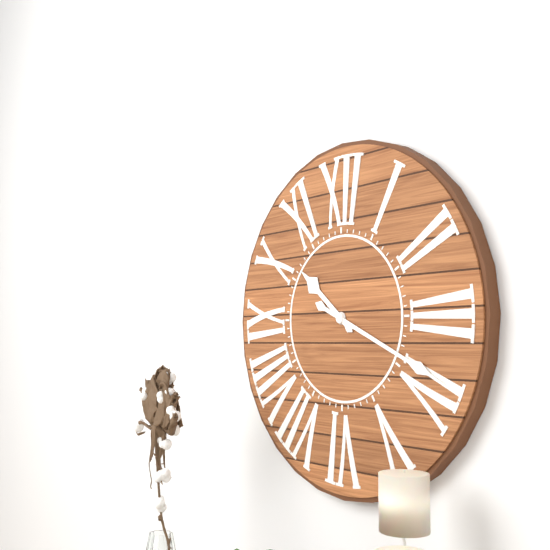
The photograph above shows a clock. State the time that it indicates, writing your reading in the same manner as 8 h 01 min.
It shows 10 h 19 min
